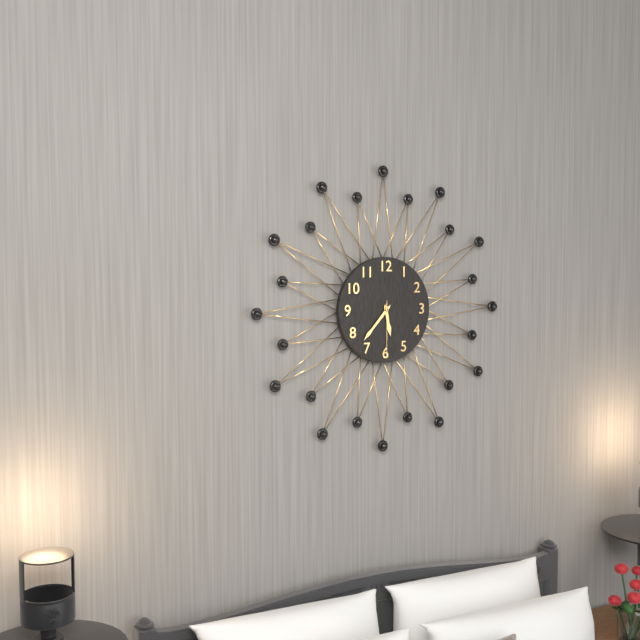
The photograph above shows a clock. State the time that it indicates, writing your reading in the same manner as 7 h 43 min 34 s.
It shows 5 h 37 min 30 s
